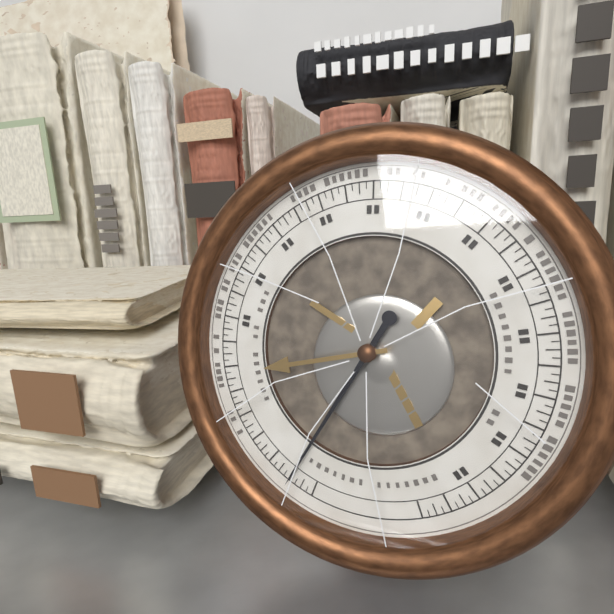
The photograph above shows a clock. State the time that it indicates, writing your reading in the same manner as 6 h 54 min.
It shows 8 h 35 min
